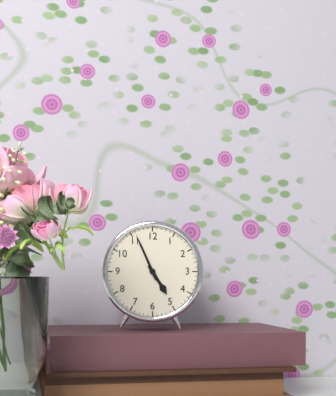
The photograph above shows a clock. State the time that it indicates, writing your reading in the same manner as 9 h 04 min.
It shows 4 h 56 min
